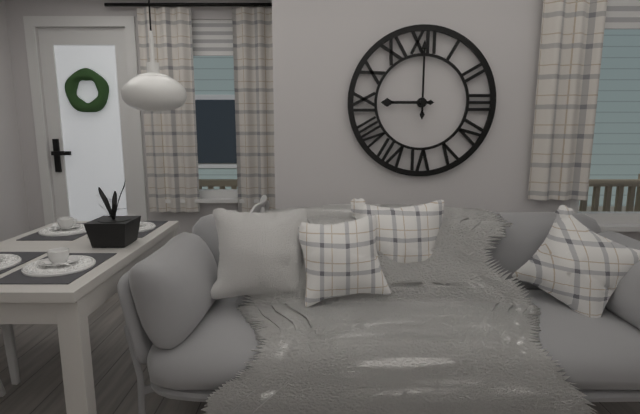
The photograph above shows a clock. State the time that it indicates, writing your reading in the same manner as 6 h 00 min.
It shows 9 h 00 min
